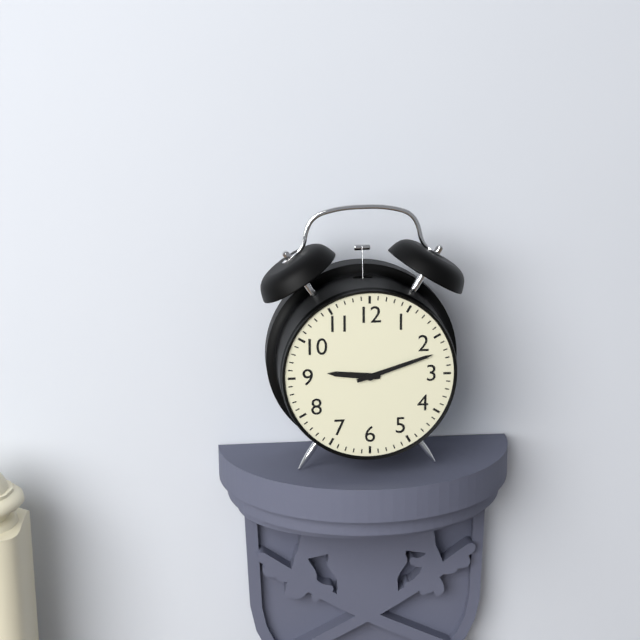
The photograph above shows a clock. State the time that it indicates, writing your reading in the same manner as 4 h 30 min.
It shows 9 h 12 min
